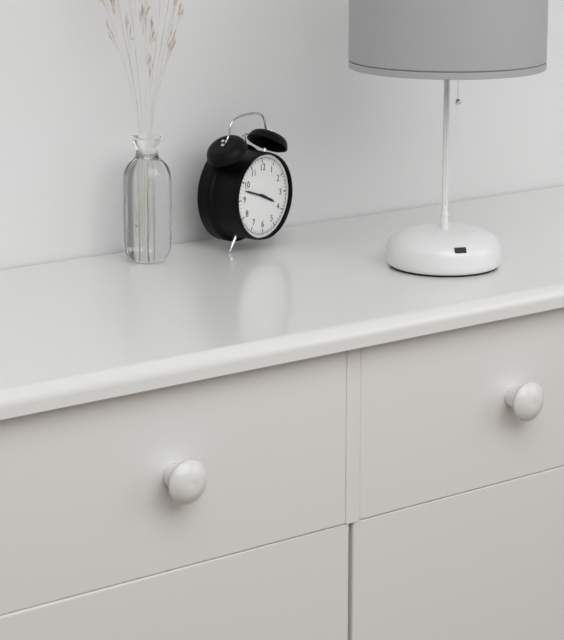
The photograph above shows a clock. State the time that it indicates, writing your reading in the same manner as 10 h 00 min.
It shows 3 h 48 min
